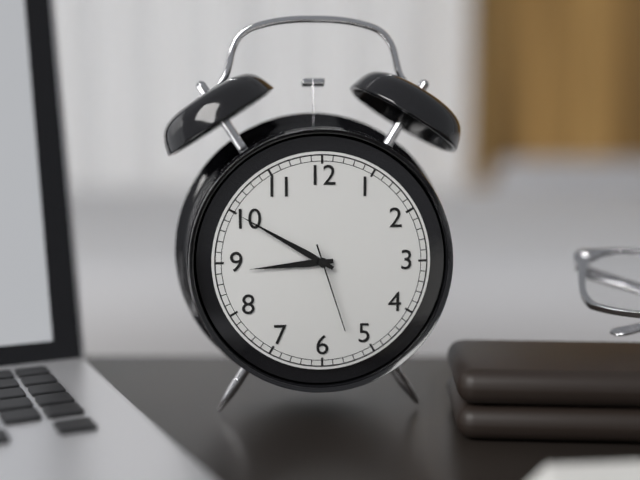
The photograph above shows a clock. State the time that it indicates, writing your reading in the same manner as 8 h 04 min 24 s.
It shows 8 h 50 min 27 s
